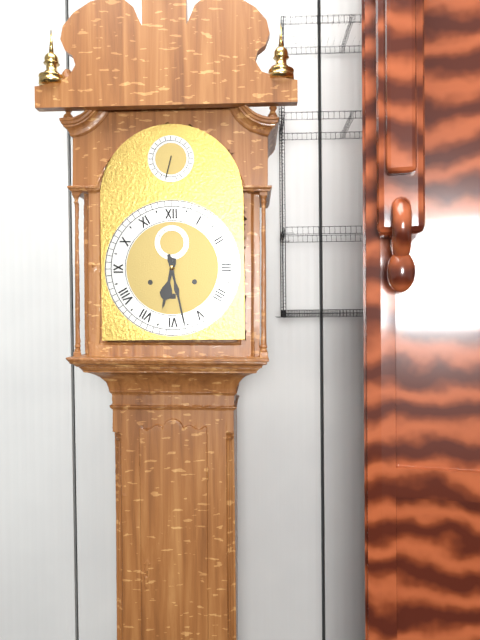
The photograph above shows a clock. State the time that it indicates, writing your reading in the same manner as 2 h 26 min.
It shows 6 h 28 min
